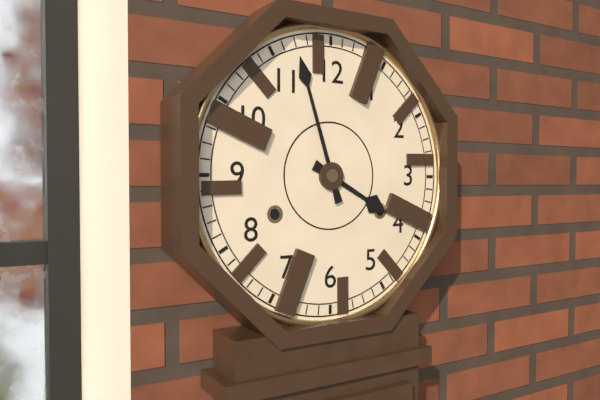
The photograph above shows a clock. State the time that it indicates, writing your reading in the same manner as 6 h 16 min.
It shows 3 h 57 min
